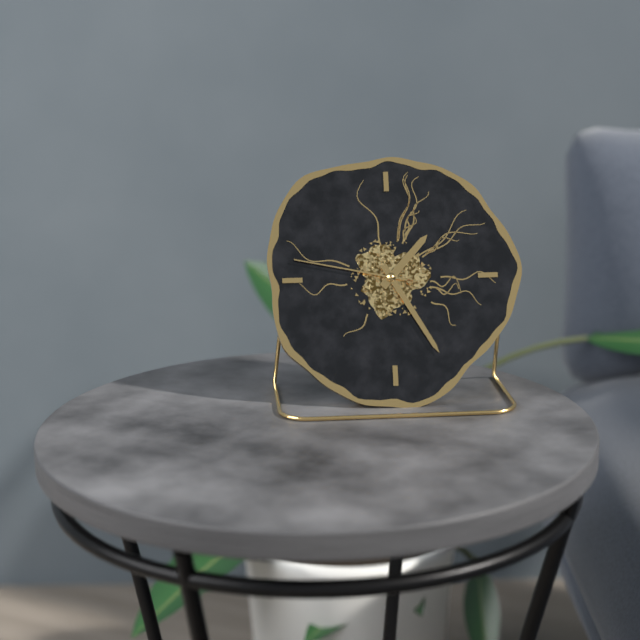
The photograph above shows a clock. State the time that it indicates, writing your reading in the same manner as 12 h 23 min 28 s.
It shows 1 h 25 min 47 s
